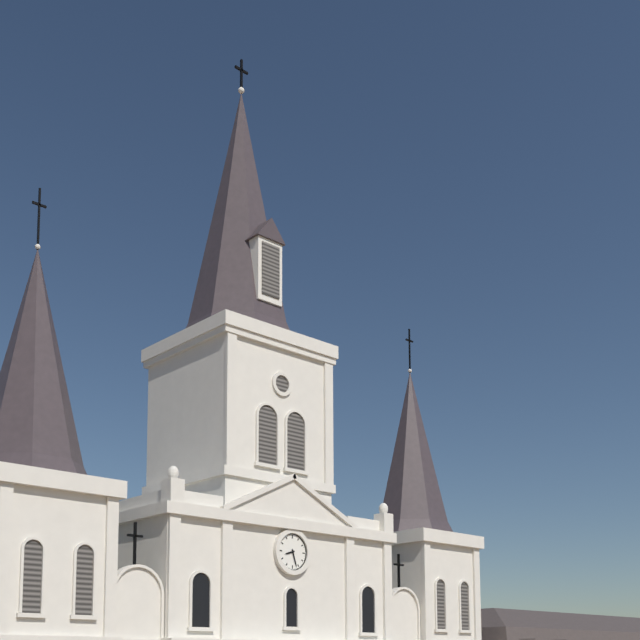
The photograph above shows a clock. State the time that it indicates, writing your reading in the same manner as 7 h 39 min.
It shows 8 h 27 min
